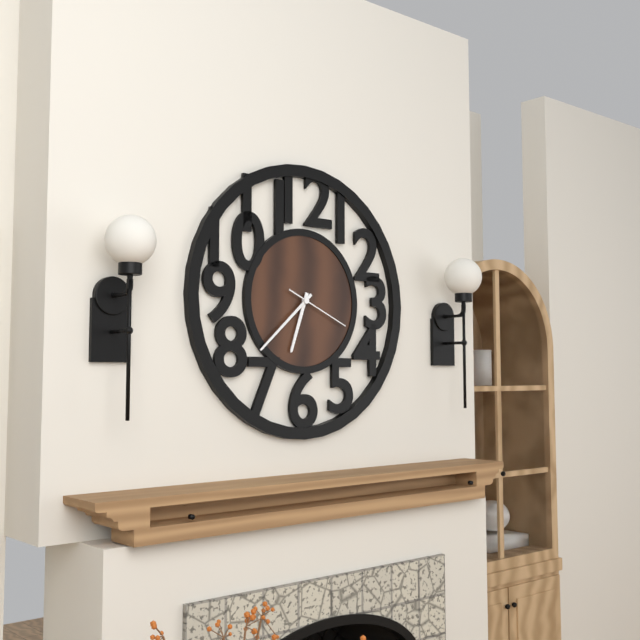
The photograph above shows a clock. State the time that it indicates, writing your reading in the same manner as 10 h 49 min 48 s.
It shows 6 h 38 min 19 s
